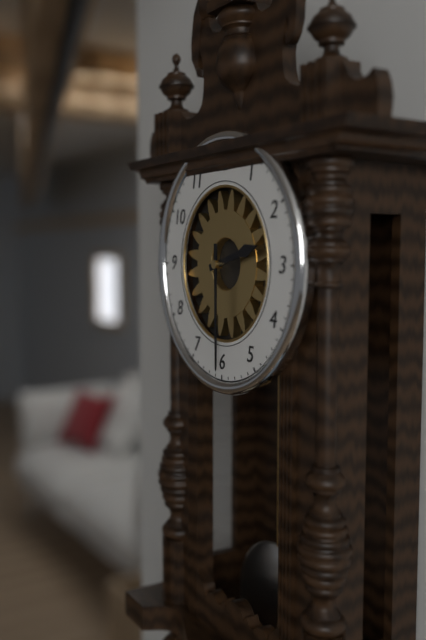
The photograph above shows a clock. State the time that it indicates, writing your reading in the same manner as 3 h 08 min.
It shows 2 h 30 min
